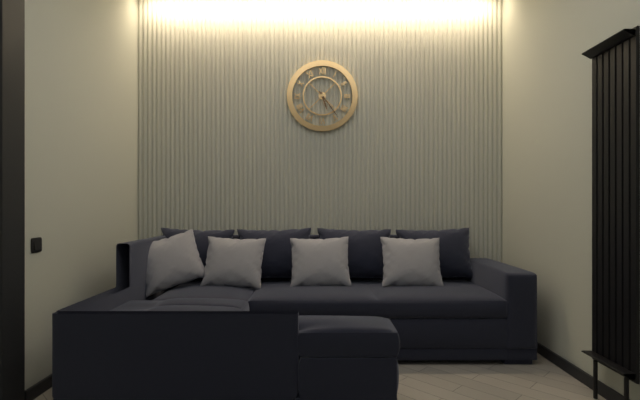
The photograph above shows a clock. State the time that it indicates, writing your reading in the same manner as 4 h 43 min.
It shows 5 h 24 min
